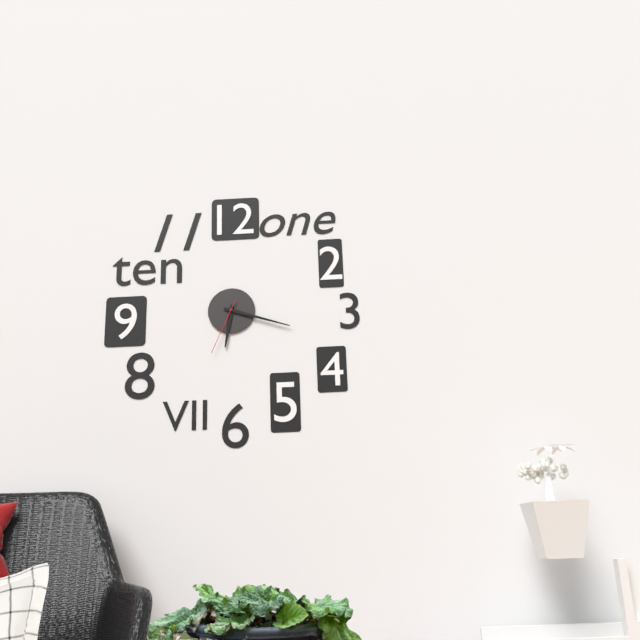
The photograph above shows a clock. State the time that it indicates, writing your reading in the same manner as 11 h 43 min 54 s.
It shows 6 h 18 min 34 s
